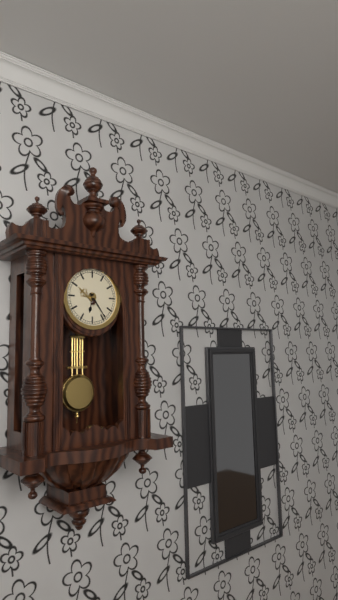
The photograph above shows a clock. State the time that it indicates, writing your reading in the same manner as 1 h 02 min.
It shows 6 h 24 min
